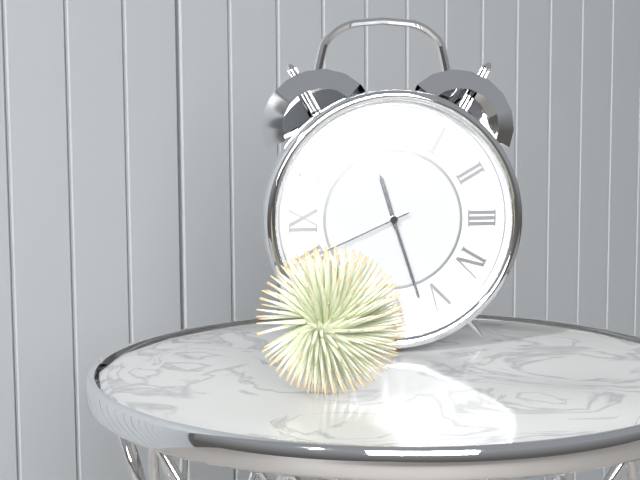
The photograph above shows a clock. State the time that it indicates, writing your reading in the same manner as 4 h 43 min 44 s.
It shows 11 h 27 min 41 s
